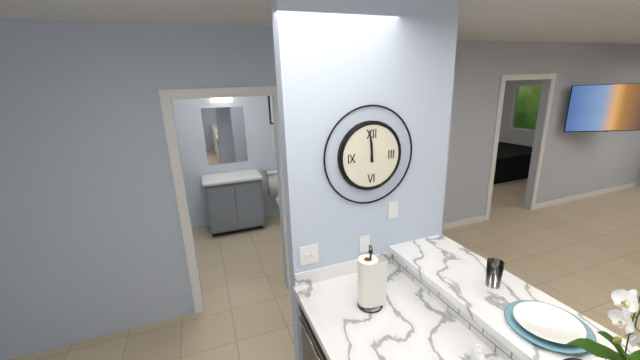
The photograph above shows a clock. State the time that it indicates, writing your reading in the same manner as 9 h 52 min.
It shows 11 h 59 min
